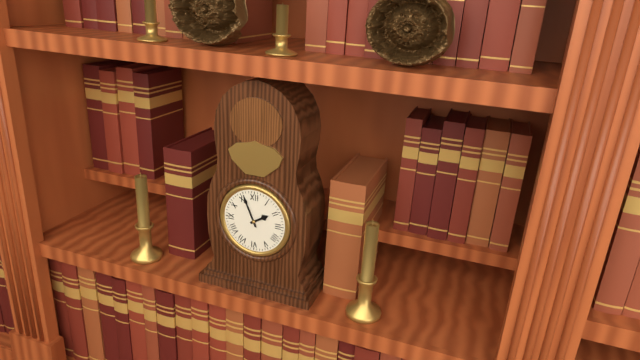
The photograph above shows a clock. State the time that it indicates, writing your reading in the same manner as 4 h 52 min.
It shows 1 h 56 min
